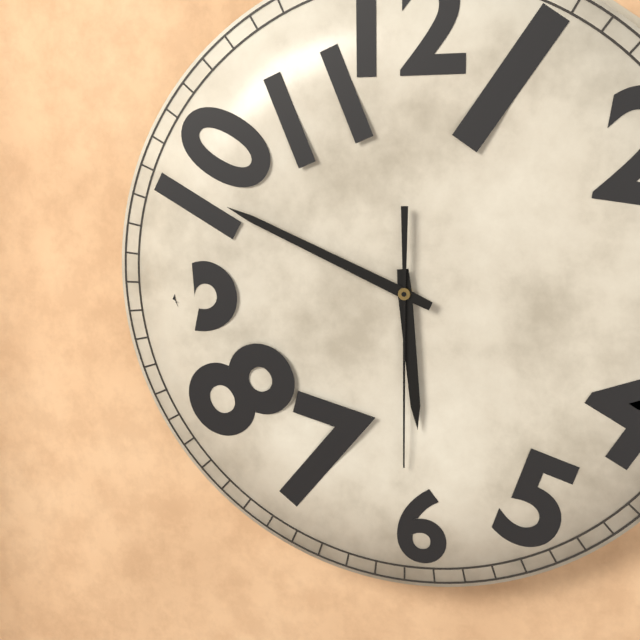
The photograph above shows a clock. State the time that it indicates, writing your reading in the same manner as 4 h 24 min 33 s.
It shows 5 h 49 min 30 s
